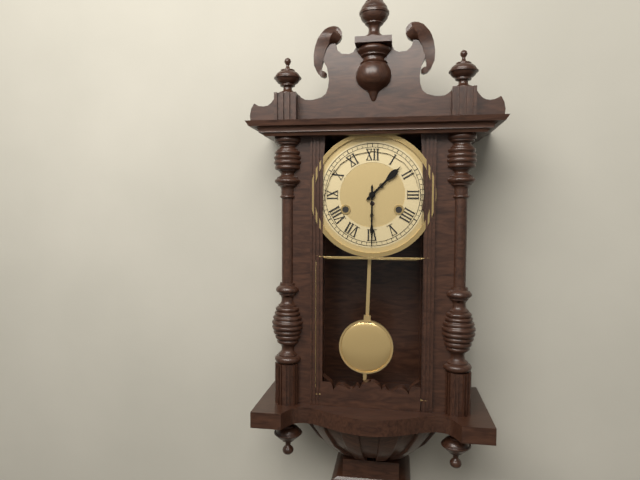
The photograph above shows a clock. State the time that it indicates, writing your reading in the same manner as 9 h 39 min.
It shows 1 h 30 min
